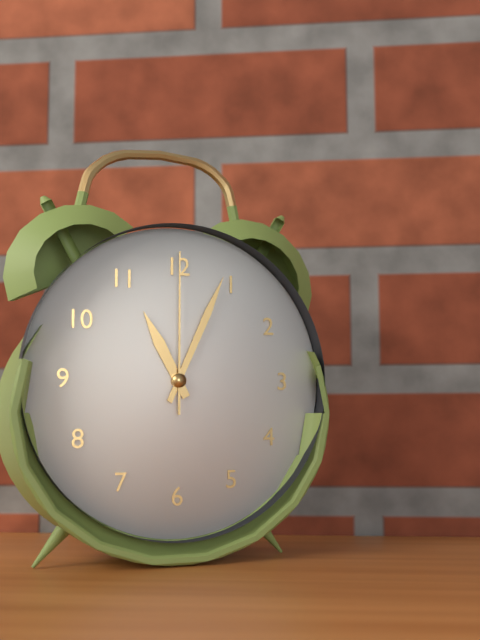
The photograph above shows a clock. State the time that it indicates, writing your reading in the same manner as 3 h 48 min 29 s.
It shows 11 h 04 min 00 s
